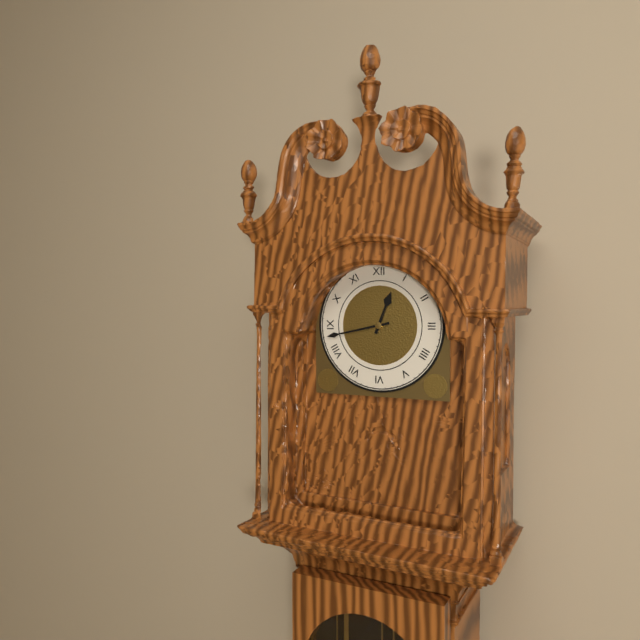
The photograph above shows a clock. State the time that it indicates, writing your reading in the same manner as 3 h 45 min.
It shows 12 h 43 min
